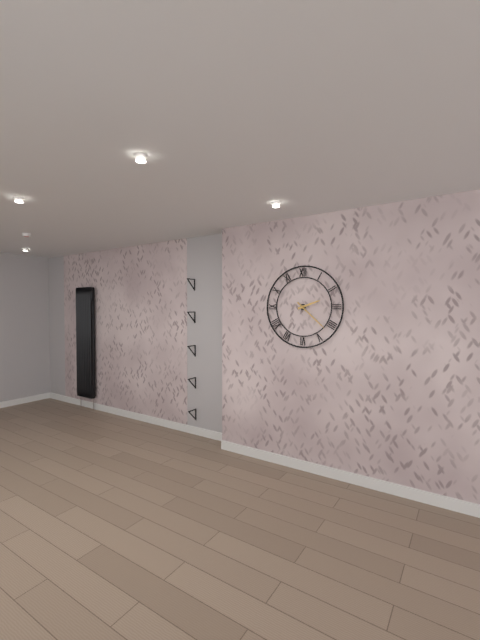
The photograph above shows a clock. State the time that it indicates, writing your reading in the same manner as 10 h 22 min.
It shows 2 h 22 min
